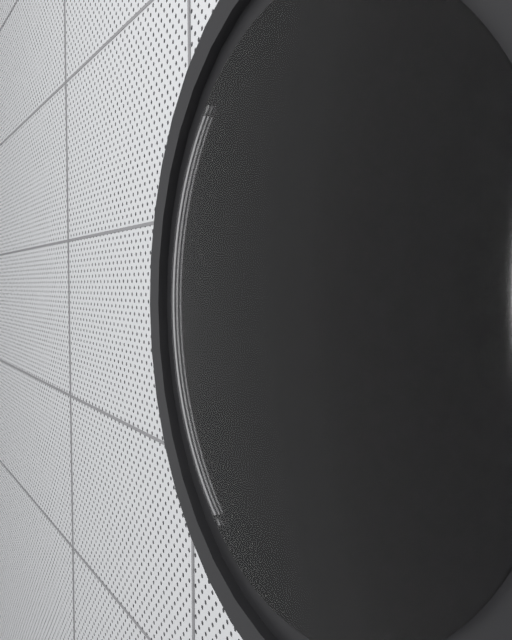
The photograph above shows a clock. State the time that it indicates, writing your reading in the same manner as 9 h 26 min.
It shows 5 h 43 min
